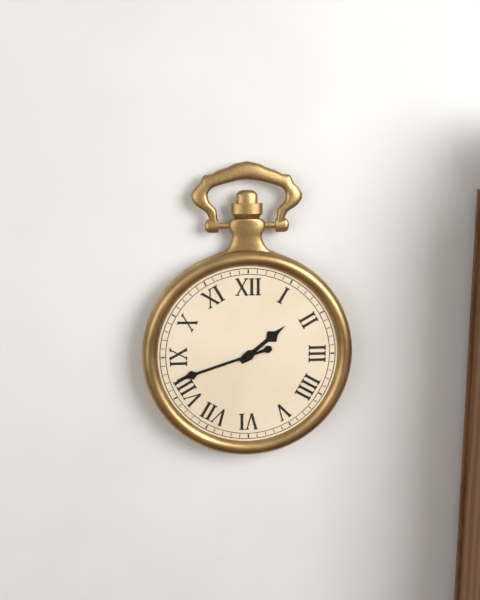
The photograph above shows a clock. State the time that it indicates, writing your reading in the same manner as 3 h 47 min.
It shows 1 h 42 min
